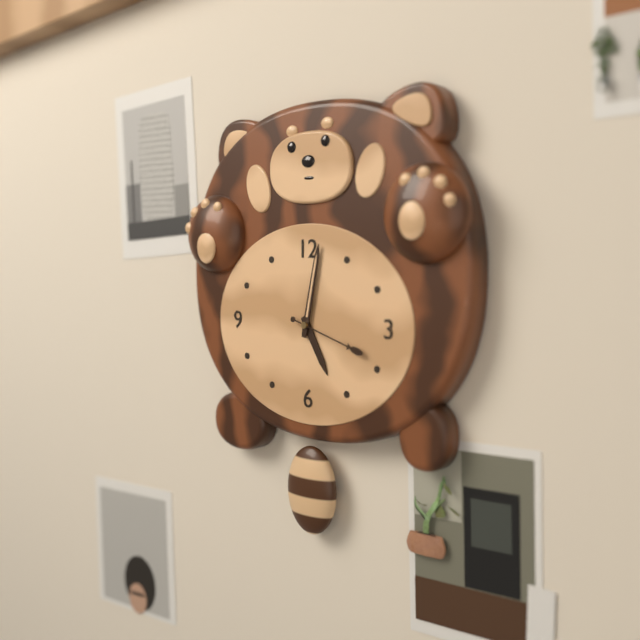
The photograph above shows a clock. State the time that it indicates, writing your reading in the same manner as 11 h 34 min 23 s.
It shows 5 h 02 min 18 s
